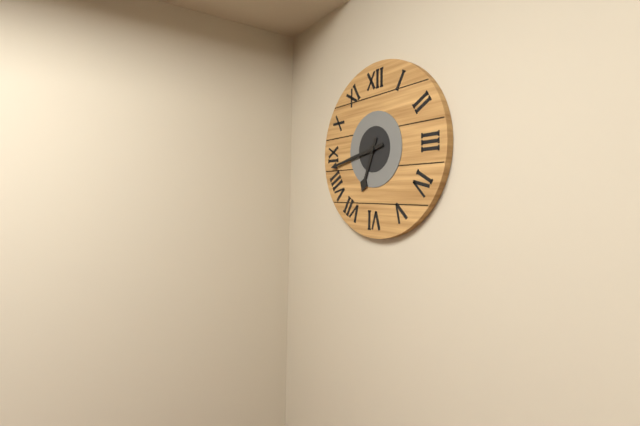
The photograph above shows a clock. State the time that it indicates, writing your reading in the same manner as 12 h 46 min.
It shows 6 h 43 min
